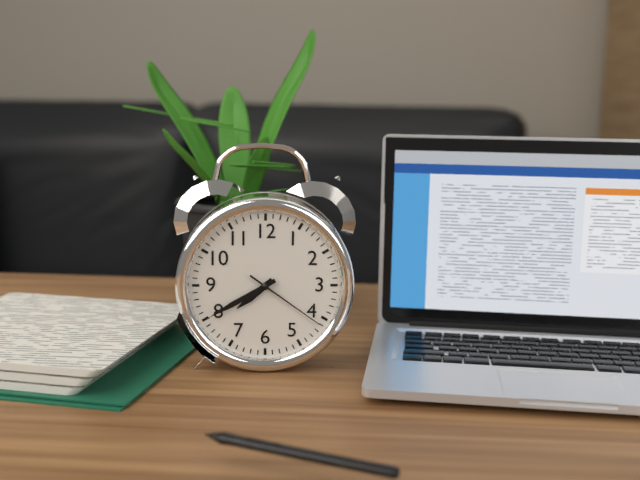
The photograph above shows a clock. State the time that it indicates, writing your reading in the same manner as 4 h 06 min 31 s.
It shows 7 h 40 min 21 s
